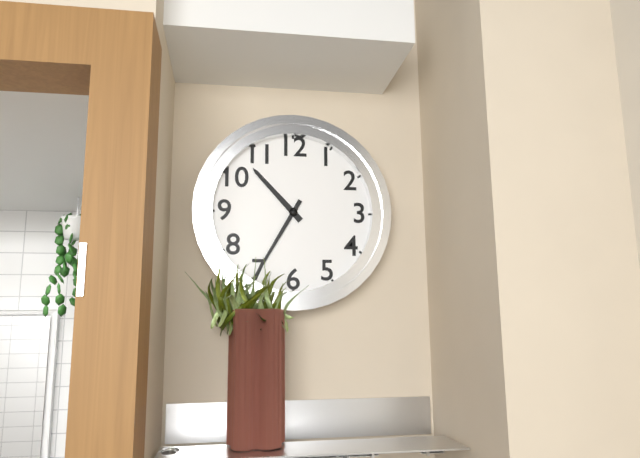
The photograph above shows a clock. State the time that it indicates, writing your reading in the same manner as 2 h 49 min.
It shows 10 h 35 min
